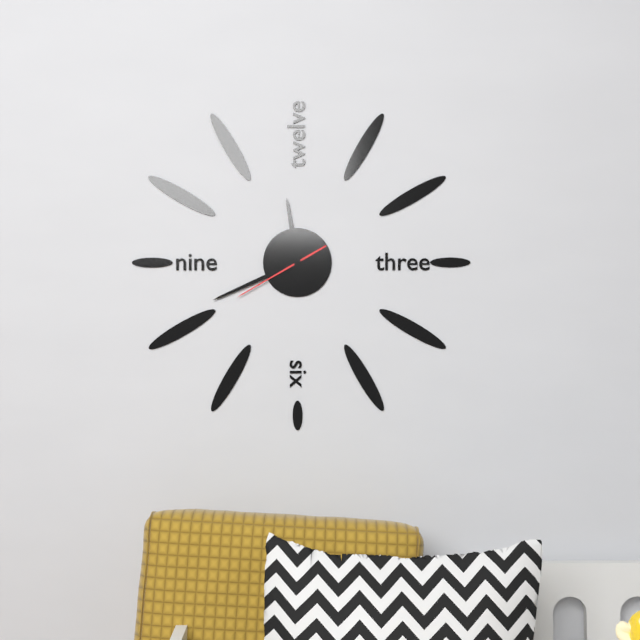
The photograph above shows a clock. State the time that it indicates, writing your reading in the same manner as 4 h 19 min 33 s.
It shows 11 h 41 min 40 s
